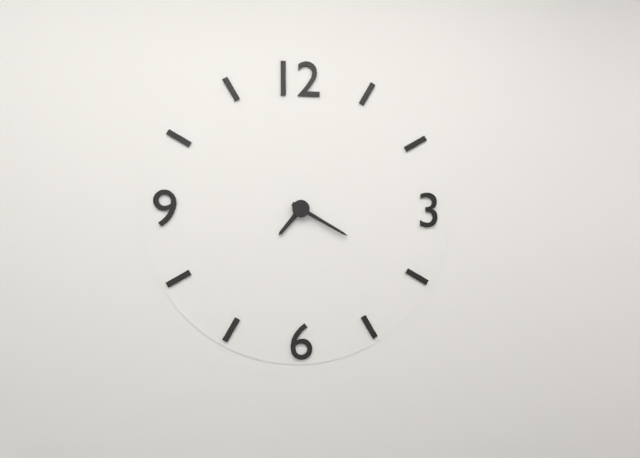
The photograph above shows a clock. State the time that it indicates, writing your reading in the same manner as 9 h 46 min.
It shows 7 h 20 min
